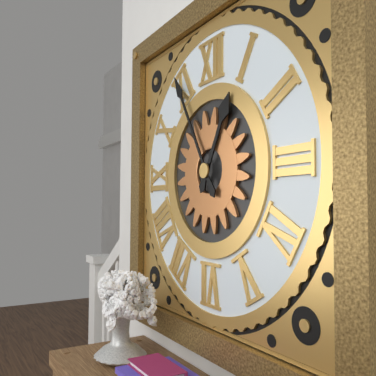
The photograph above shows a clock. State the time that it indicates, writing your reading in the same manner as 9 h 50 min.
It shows 12 h 55 min
